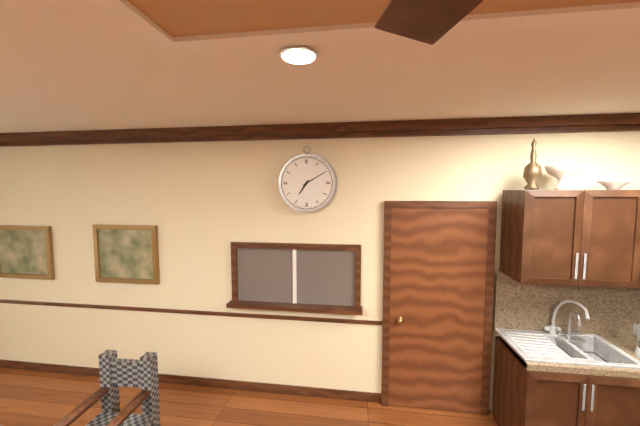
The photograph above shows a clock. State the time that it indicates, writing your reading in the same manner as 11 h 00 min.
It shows 7 h 10 min
